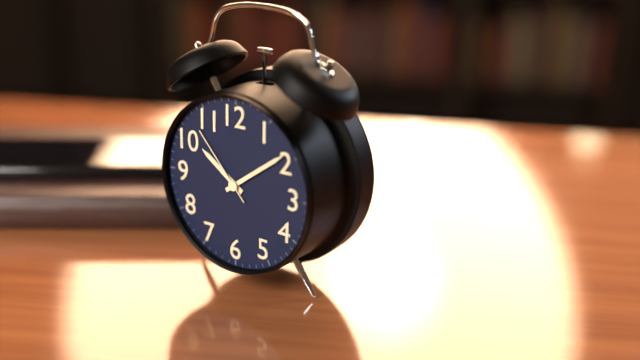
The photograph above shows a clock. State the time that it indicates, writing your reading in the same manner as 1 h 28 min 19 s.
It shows 10 h 09 min 53 s
